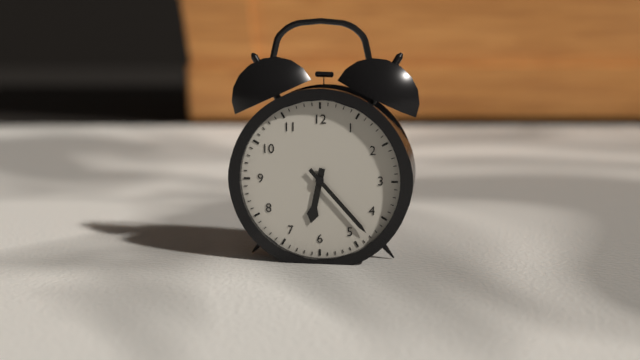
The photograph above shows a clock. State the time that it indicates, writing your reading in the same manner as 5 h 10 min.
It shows 6 h 23 min
